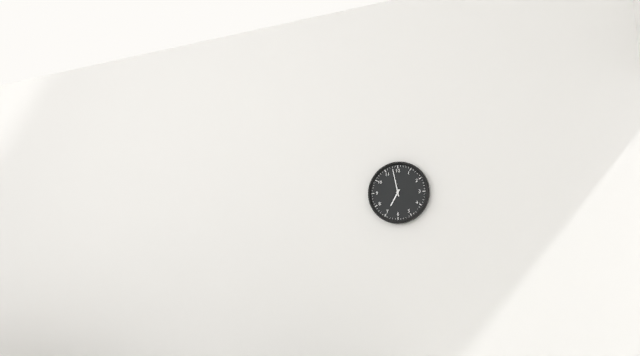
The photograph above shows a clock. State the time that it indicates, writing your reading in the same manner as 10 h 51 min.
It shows 6 h 58 min
